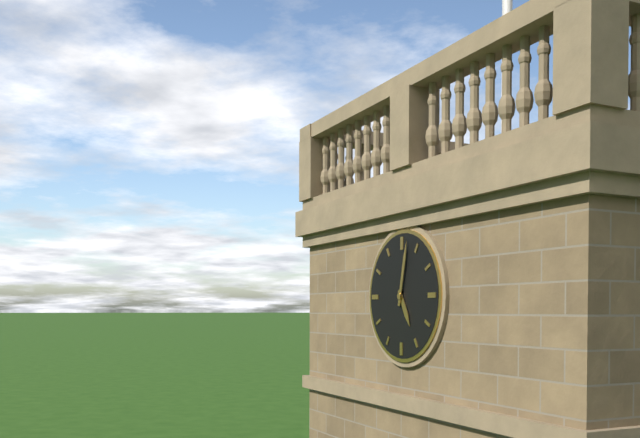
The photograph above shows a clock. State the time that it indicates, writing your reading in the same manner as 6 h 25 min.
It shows 5 h 02 min
